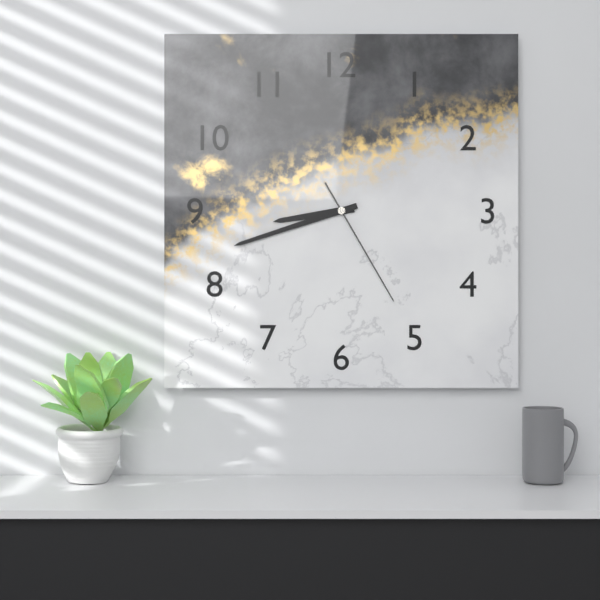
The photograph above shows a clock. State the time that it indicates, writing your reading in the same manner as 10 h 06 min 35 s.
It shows 8 h 42 min 25 s
